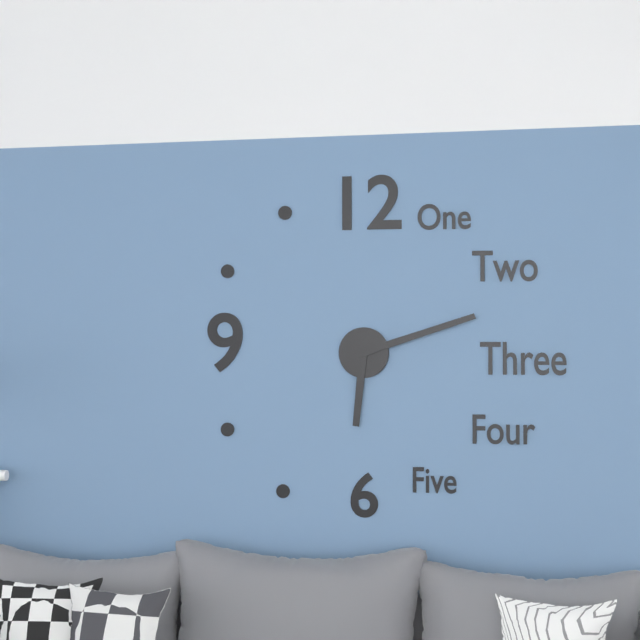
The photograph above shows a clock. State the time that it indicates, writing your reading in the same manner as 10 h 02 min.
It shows 6 h 12 min
